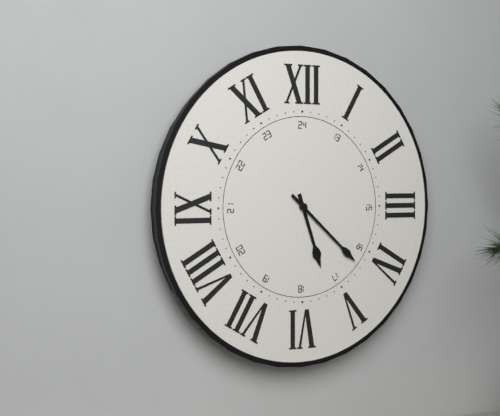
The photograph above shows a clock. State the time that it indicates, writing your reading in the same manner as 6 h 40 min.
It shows 5 h 22 min
